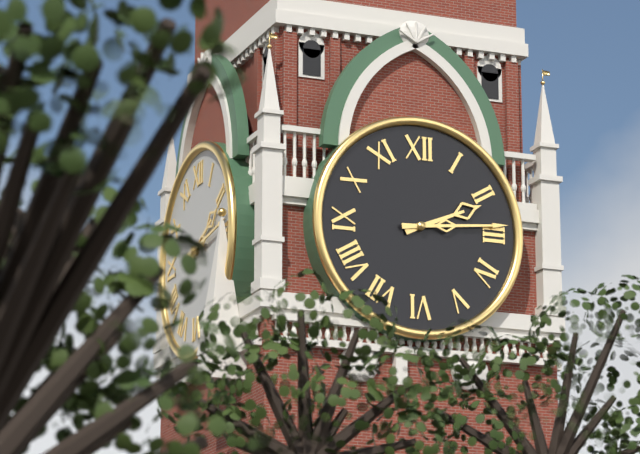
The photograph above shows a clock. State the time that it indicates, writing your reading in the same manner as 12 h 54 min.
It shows 2 h 14 min
